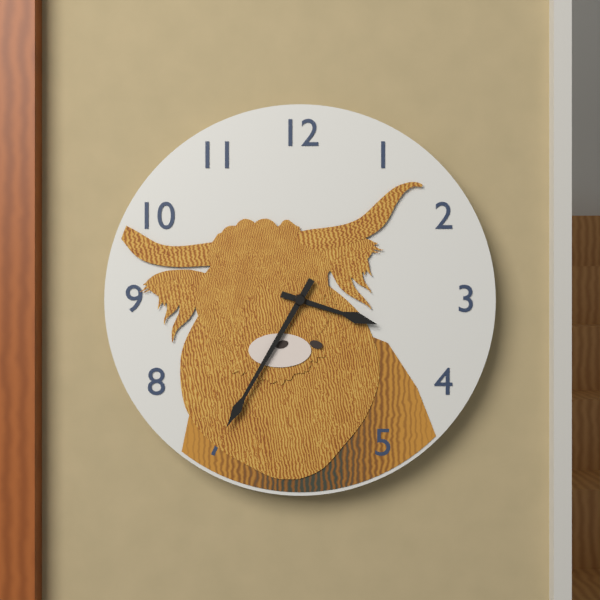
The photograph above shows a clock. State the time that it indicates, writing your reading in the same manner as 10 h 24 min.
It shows 3 h 35 min
